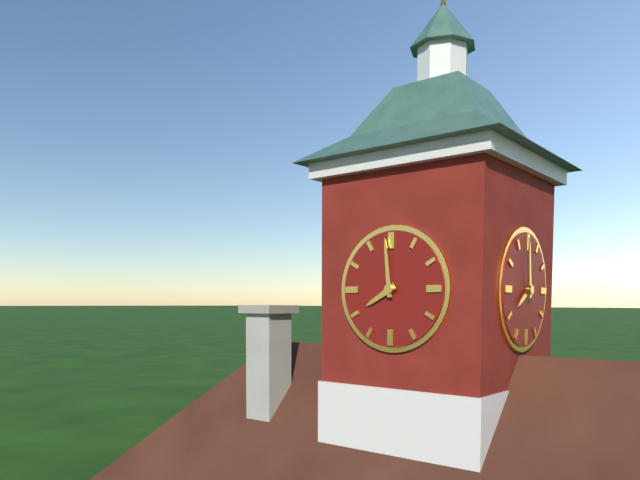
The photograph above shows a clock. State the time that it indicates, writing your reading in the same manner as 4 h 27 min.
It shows 7 h 59 min
